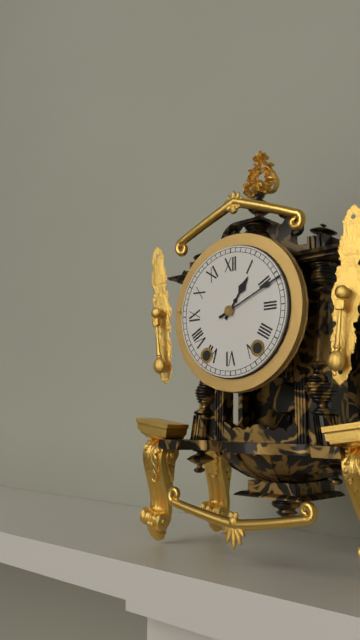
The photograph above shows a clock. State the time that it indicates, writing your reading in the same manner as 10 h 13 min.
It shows 1 h 11 min
